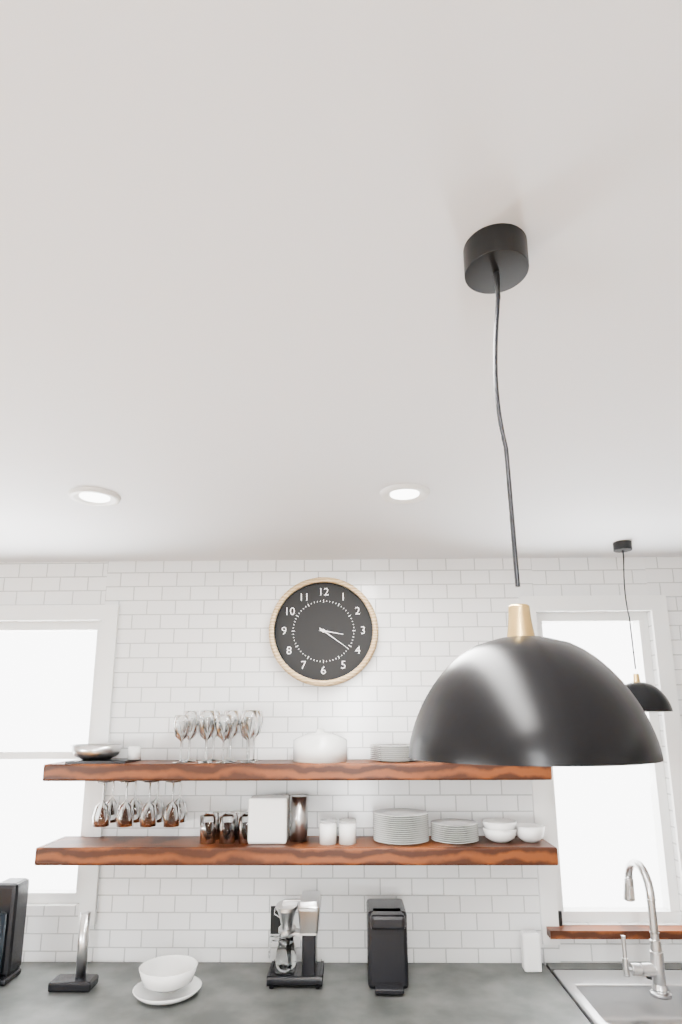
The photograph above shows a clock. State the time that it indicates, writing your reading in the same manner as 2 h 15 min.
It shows 3 h 21 min
